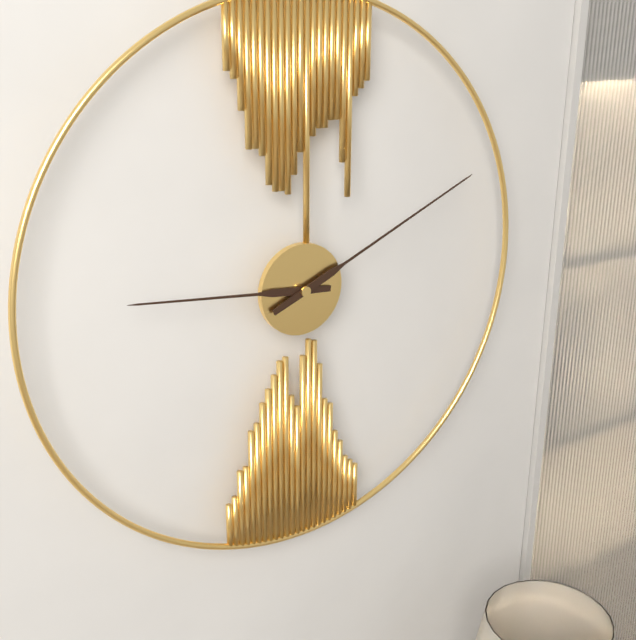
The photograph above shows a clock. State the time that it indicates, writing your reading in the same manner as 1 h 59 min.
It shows 9 h 11 min
